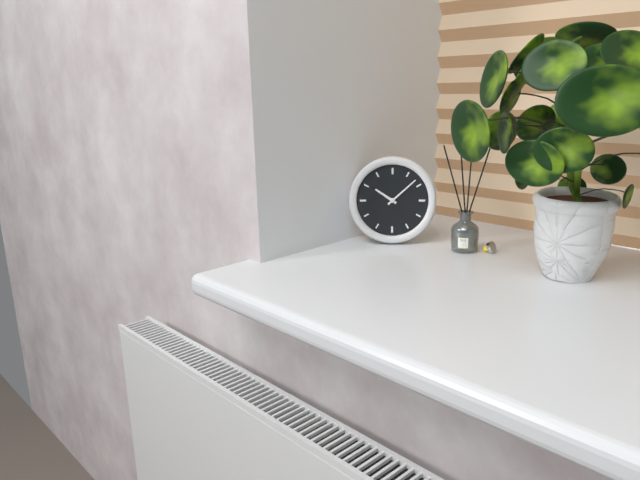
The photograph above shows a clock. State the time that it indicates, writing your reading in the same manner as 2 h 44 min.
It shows 10 h 08 min
